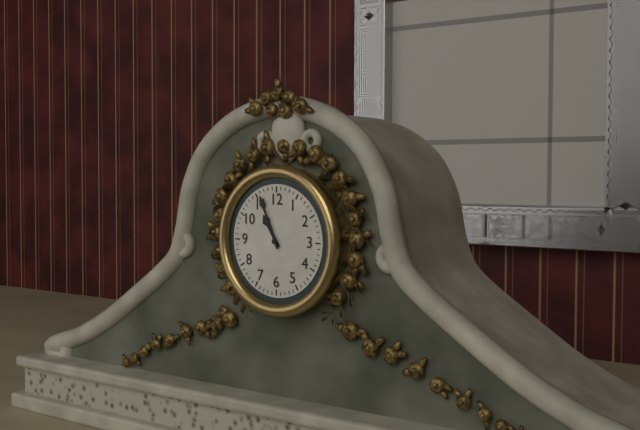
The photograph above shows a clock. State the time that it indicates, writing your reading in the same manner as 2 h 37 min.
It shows 10 h 56 min
